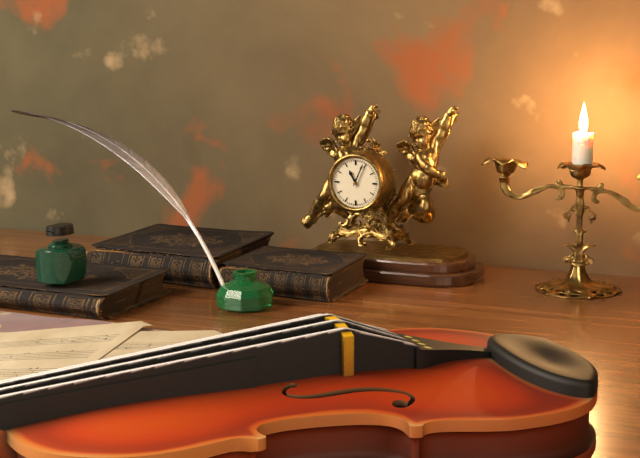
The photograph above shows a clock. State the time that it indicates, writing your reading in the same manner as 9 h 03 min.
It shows 11 h 04 min
